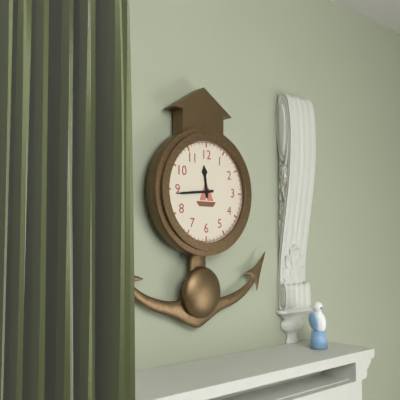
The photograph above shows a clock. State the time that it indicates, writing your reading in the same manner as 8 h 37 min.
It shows 11 h 44 min
